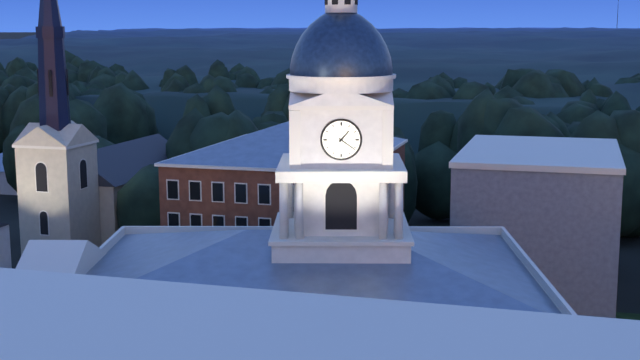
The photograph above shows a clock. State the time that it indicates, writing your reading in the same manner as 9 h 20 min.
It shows 1 h 21 min
